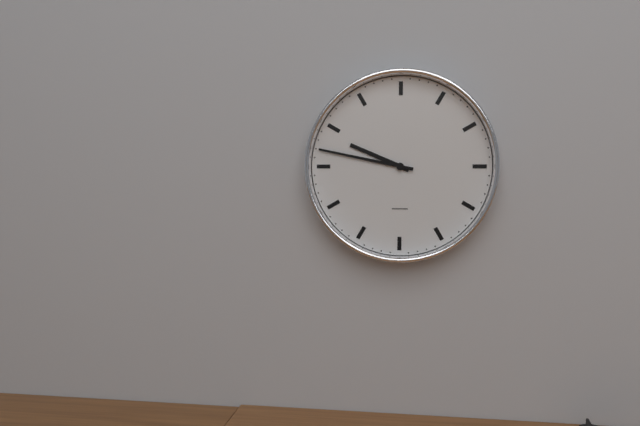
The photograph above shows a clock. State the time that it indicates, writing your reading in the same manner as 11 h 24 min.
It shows 9 h 47 min
